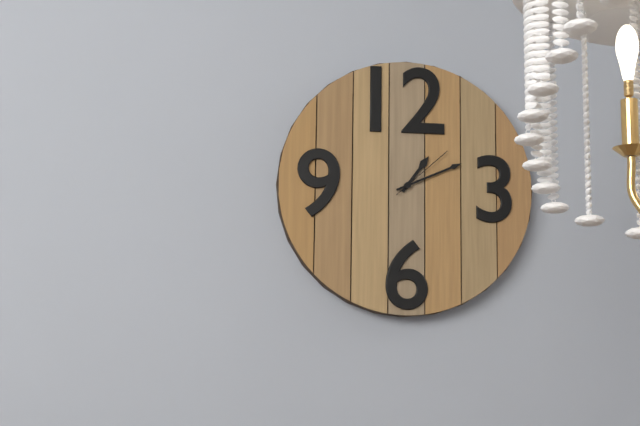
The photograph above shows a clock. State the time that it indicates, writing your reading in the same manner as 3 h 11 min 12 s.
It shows 1 h 11 min 08 s
